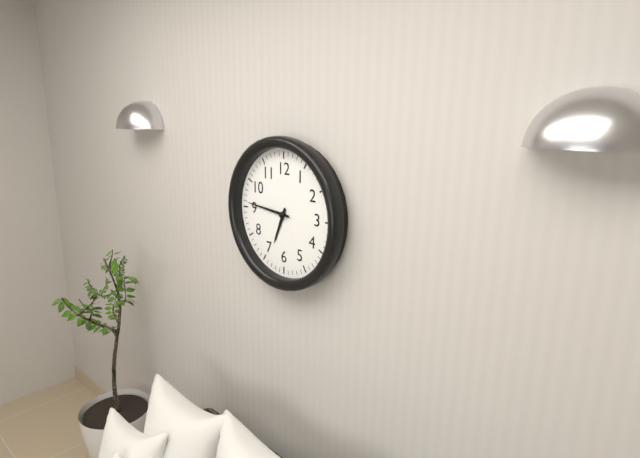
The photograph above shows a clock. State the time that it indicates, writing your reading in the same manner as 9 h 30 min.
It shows 6 h 46 min
